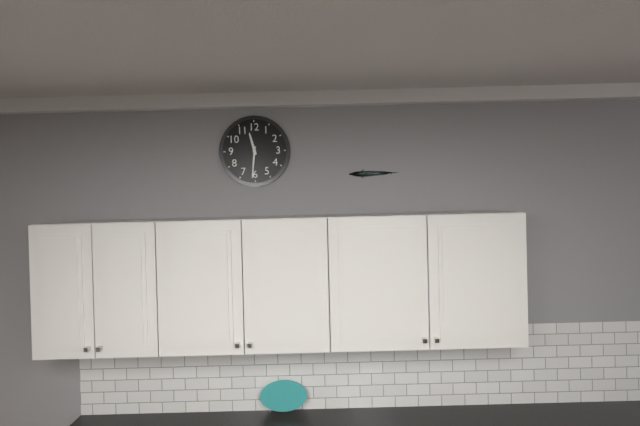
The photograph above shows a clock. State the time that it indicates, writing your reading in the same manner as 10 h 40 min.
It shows 11 h 31 min
